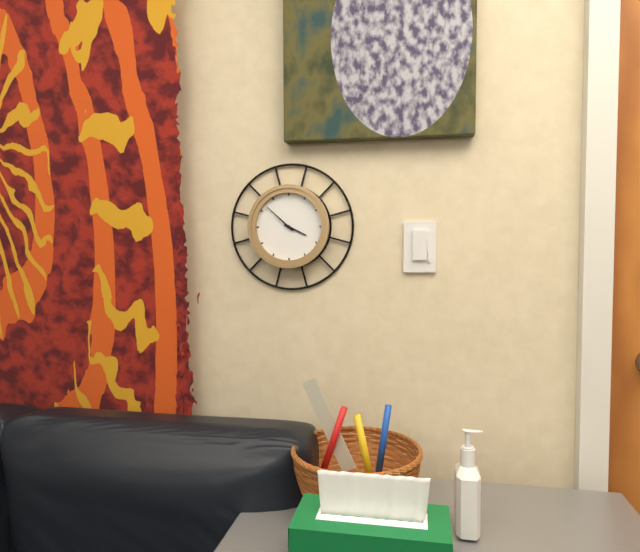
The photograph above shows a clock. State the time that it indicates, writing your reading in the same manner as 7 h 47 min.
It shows 3 h 52 min
